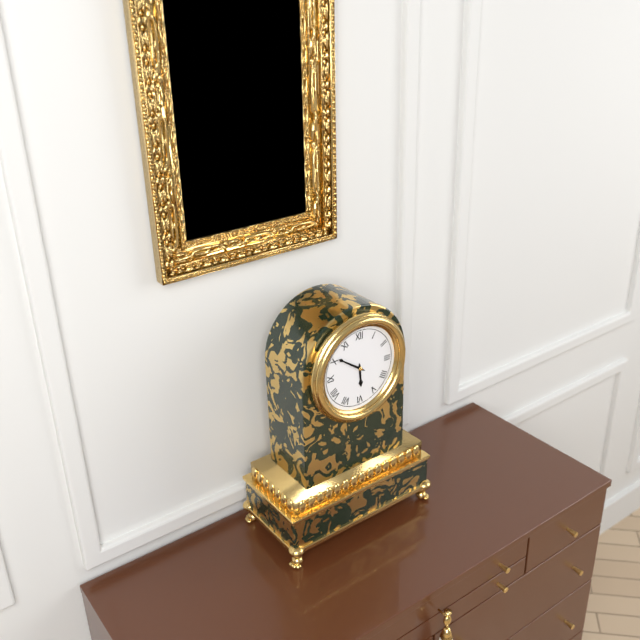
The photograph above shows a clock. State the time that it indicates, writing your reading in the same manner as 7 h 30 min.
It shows 5 h 51 min
